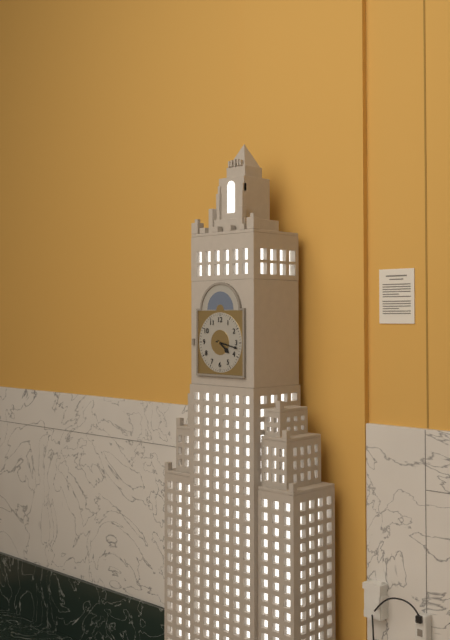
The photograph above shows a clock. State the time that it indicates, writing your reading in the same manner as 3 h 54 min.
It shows 4 h 17 min
